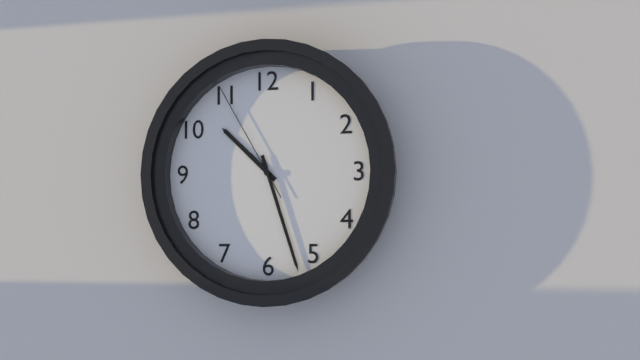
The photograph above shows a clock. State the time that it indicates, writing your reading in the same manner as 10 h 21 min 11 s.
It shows 10 h 27 min 55 s
